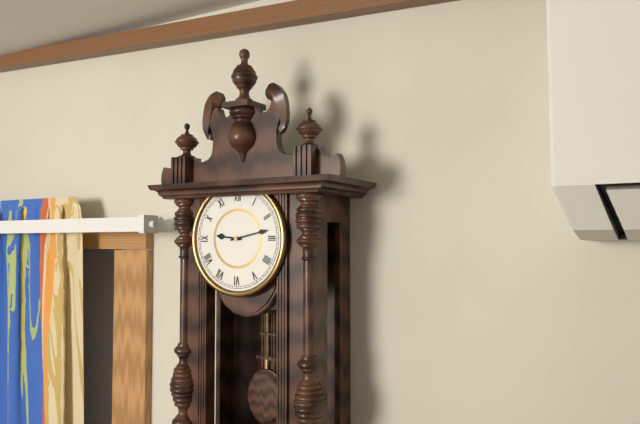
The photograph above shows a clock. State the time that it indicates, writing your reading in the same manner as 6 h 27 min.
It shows 9 h 13 min
